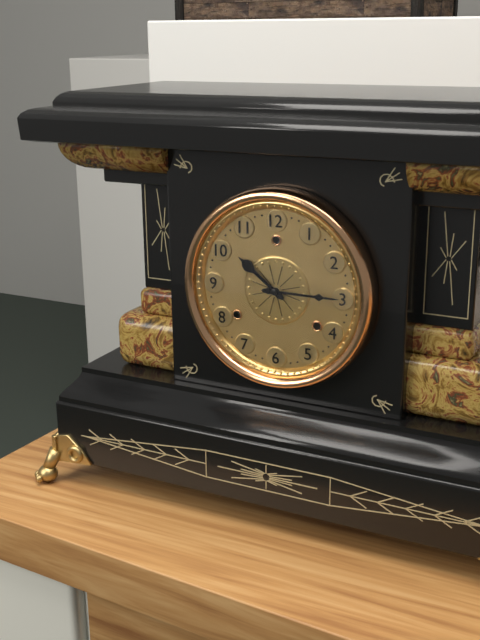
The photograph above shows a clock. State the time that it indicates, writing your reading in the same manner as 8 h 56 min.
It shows 10 h 15 min
